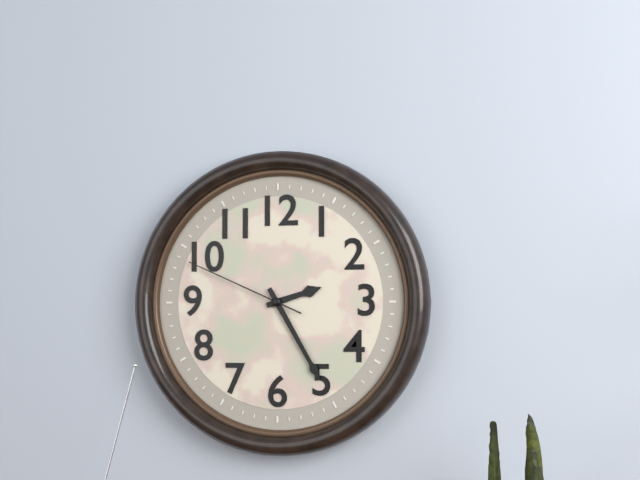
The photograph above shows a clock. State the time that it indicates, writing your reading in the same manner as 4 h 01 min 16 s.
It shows 2 h 25 min 49 s
